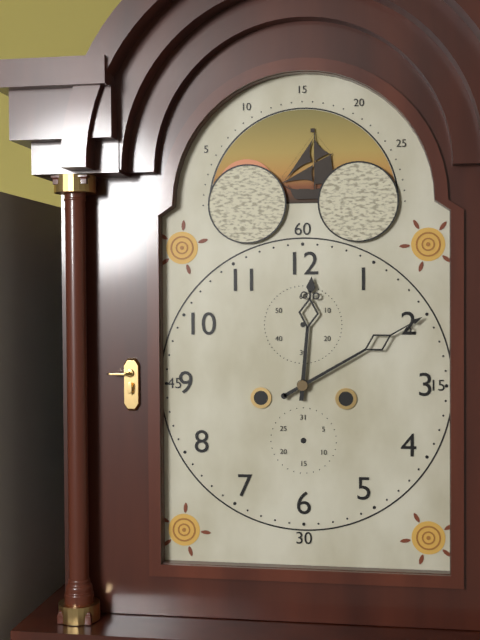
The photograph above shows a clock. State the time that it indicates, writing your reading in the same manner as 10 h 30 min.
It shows 12 h 10 min
